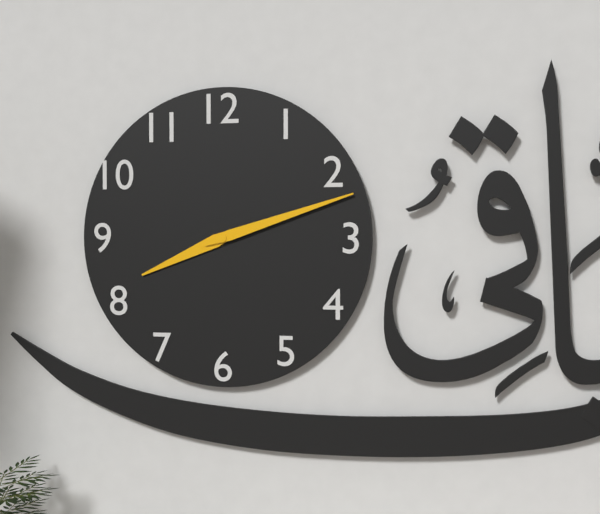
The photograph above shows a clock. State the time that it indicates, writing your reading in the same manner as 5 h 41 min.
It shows 8 h 12 min
